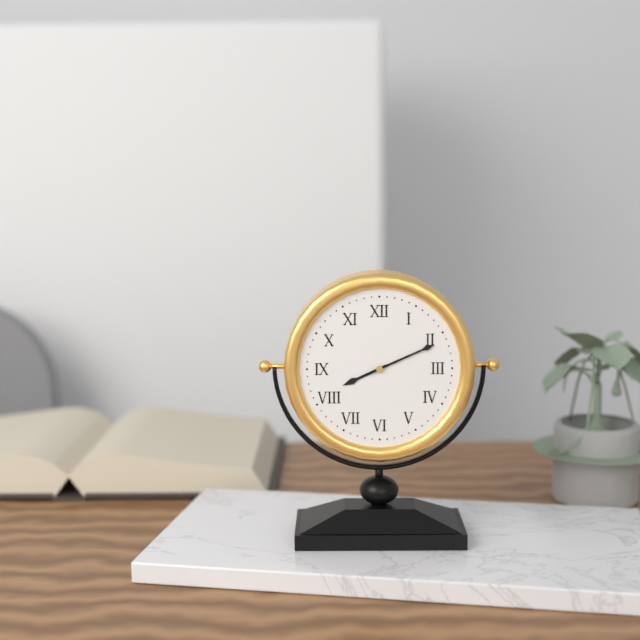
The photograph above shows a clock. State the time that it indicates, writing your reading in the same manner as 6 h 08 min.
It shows 8 h 11 min
